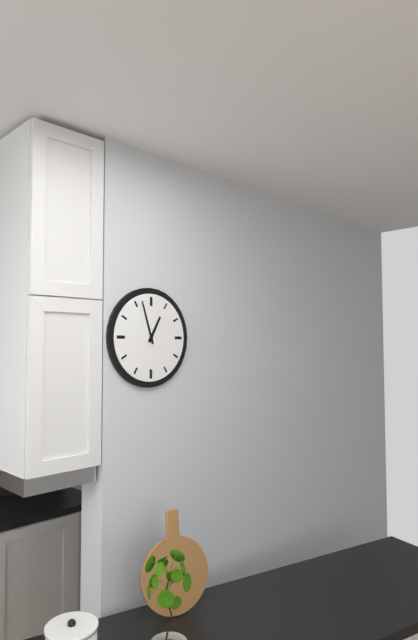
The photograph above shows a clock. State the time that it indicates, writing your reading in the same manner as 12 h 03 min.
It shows 12 h 57 min
